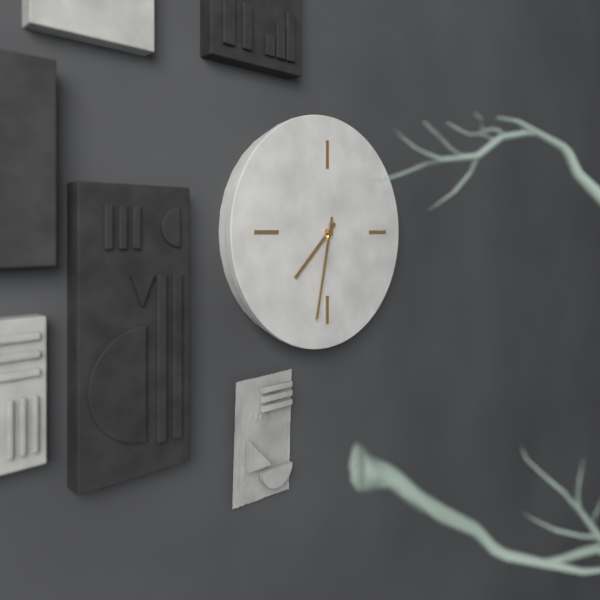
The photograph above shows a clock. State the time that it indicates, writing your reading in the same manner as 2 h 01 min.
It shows 7 h 32 min
